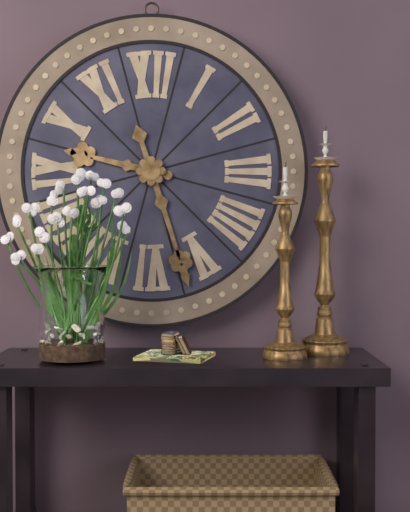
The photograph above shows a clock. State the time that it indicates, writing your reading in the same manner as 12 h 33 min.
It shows 9 h 27 min
